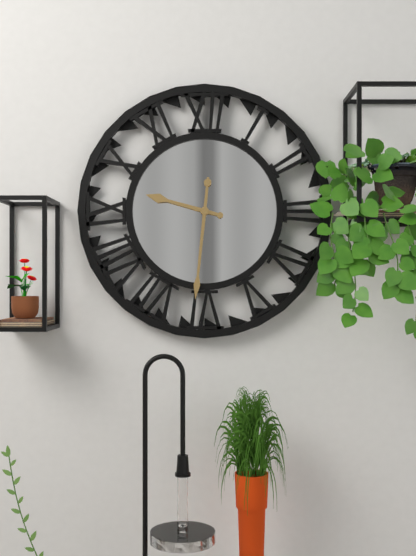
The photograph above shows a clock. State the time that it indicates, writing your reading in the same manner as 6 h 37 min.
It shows 9 h 31 min
